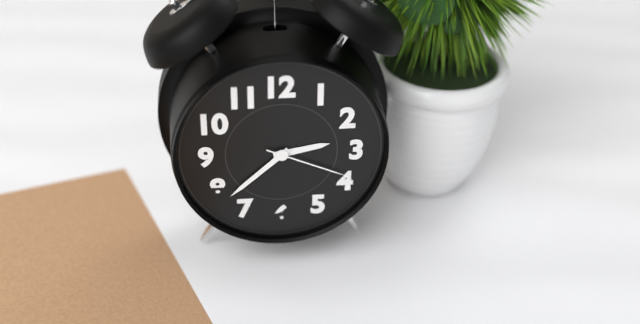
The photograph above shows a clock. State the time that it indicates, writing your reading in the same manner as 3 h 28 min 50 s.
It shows 2 h 38 min 19 s
